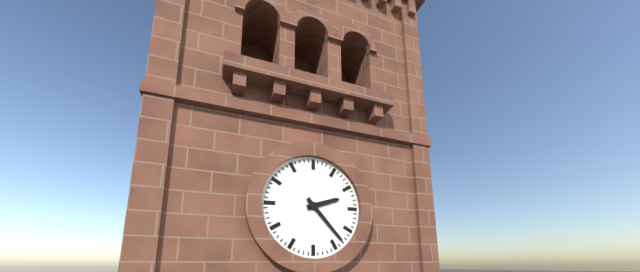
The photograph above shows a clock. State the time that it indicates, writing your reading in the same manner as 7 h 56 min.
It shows 2 h 23 min
